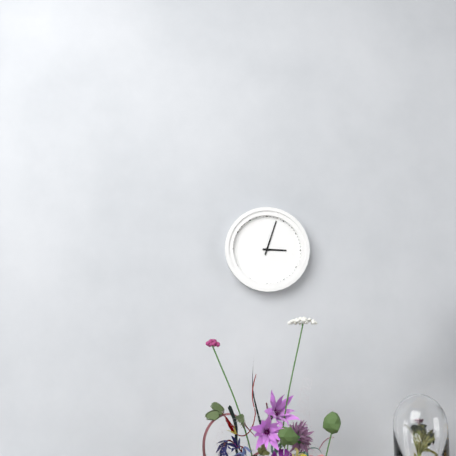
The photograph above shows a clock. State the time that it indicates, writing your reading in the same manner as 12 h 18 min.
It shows 3 h 03 min
